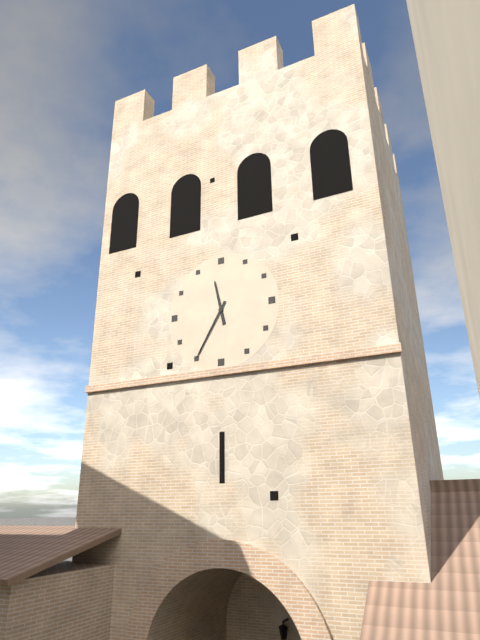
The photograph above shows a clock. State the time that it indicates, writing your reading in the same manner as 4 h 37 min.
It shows 11 h 35 min
